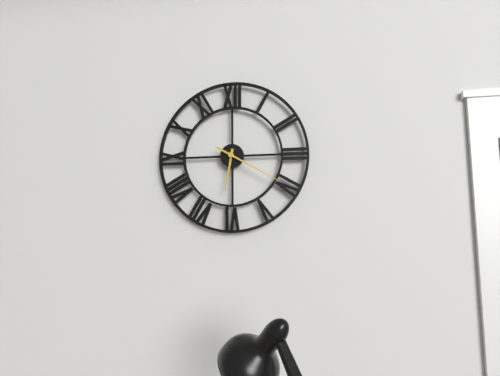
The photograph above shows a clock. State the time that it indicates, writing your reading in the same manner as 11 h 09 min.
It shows 6 h 20 min
